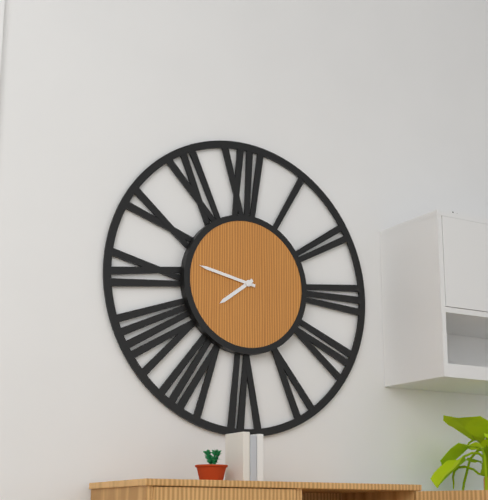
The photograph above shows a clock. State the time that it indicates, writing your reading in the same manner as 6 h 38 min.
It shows 7 h 47 min
